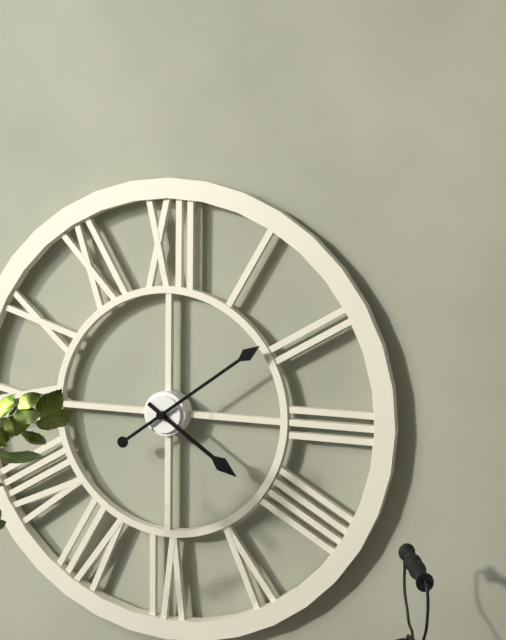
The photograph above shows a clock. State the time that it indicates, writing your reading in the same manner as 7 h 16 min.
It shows 4 h 09 min
